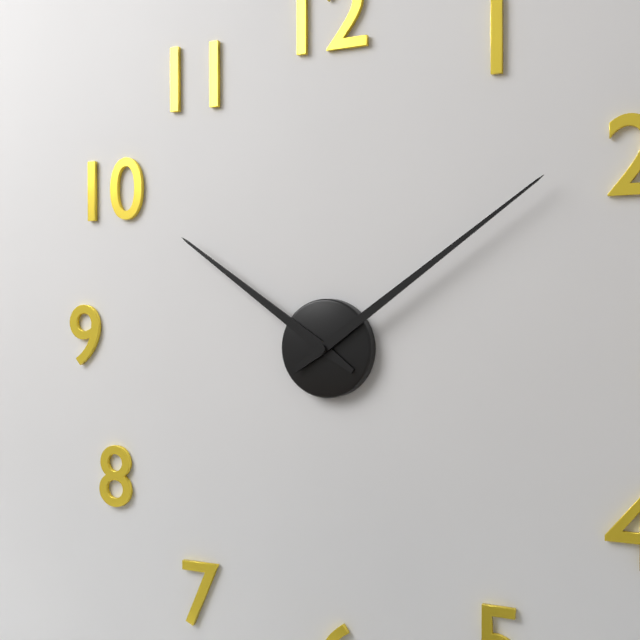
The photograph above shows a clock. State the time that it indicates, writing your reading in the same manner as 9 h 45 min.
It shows 10 h 09 min
